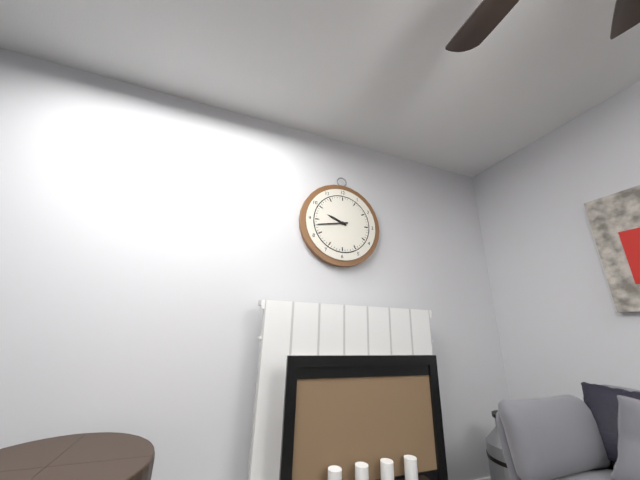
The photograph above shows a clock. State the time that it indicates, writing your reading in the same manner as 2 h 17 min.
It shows 9 h 43 min
